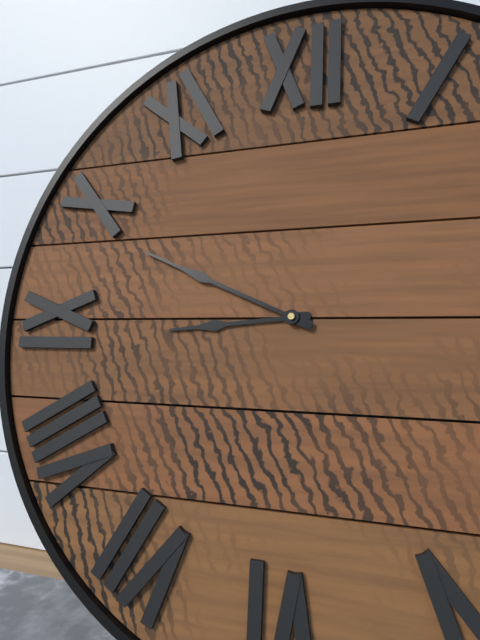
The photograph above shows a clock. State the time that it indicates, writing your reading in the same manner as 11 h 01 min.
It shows 8 h 49 min
